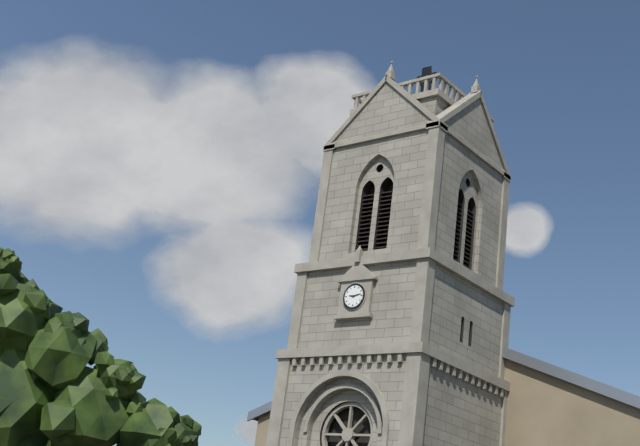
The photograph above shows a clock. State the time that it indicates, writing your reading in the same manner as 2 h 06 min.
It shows 9 h 13 min
